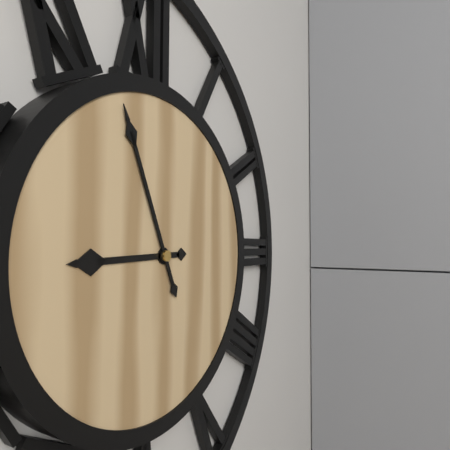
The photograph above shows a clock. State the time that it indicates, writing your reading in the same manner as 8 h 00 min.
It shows 8 h 56 min
